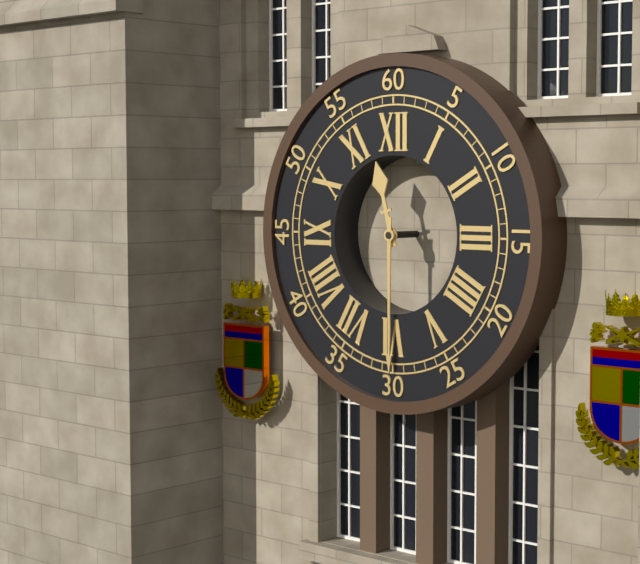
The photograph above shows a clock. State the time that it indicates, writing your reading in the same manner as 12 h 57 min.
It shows 11 h 30 min
